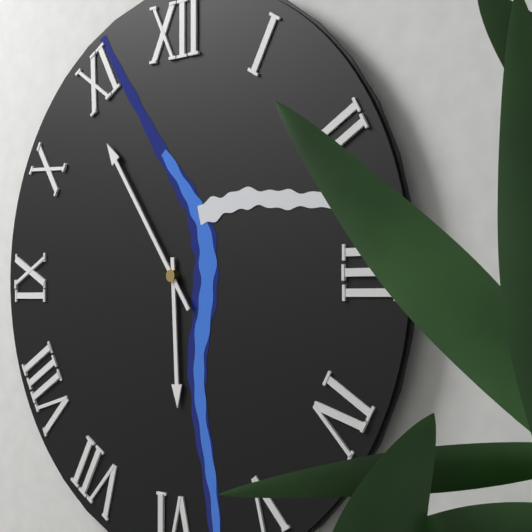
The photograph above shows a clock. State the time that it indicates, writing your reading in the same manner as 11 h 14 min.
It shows 5 h 54 min
